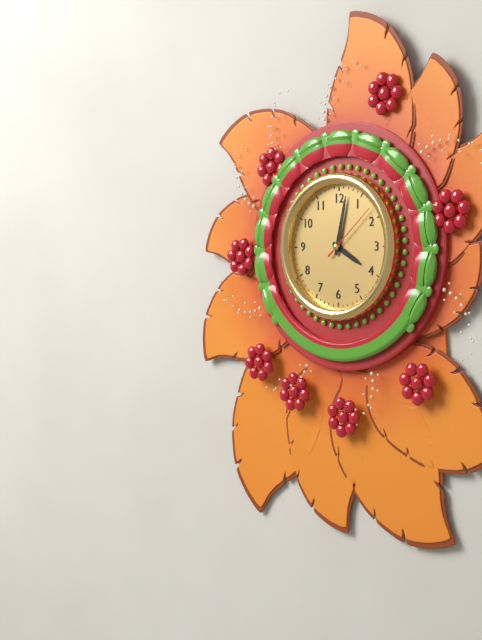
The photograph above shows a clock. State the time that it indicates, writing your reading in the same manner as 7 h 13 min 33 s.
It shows 4 h 02 min 08 s
